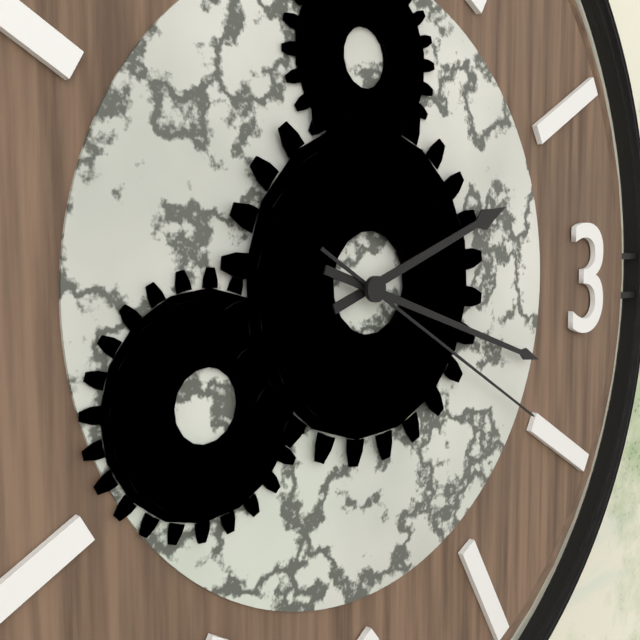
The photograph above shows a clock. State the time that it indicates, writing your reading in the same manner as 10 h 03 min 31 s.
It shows 2 h 18 min 20 s
